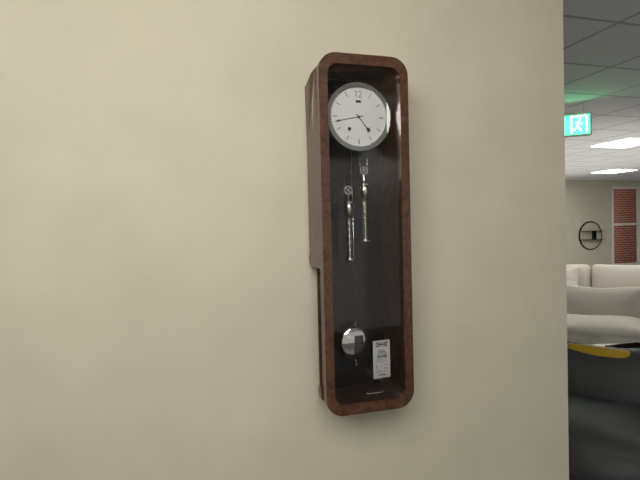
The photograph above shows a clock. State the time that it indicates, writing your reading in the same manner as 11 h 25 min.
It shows 4 h 43 min
